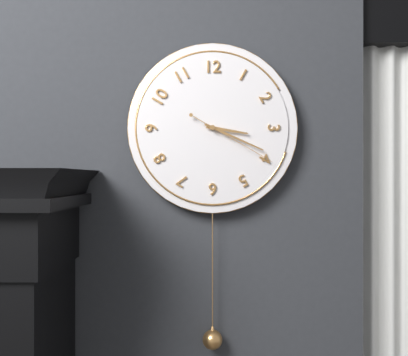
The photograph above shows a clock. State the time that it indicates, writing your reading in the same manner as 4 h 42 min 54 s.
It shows 3 h 19 min 20 s
